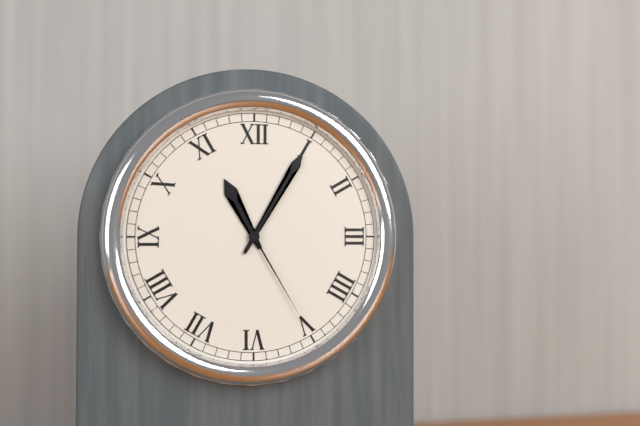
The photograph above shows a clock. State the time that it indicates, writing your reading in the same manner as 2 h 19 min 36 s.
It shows 11 h 05 min 25 s
